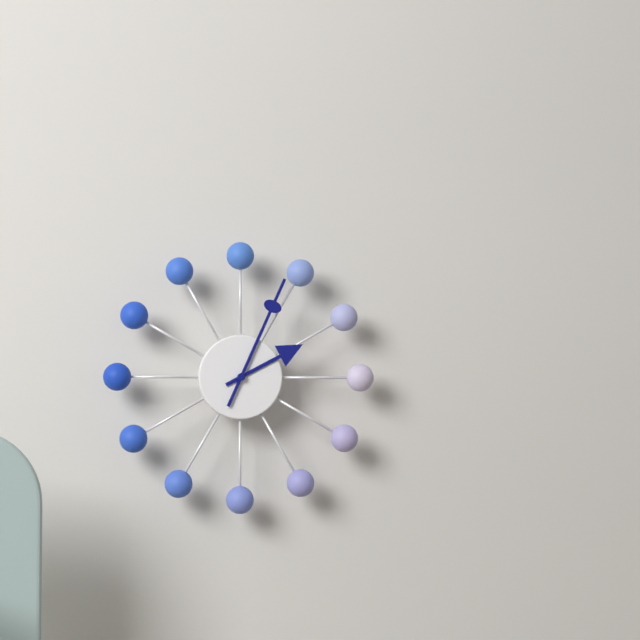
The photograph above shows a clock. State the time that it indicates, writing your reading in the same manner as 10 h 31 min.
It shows 2 h 04 min
